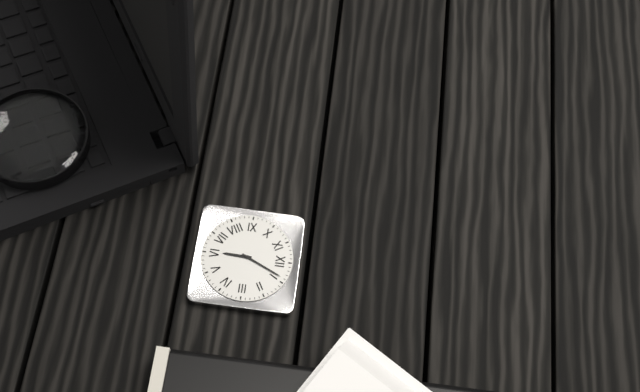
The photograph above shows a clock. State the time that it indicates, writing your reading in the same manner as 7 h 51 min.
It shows 6 h 04 min
